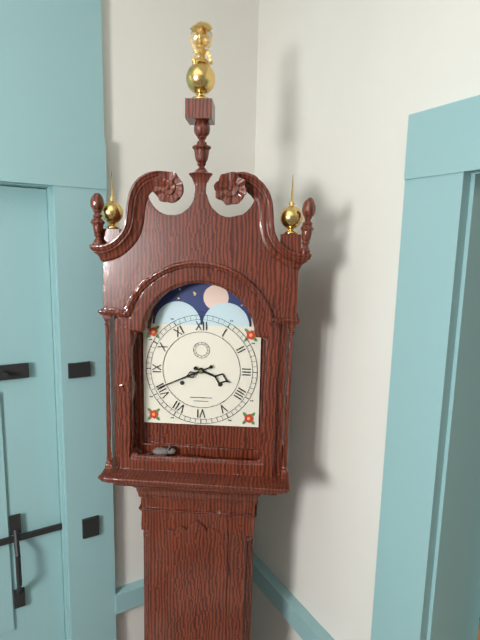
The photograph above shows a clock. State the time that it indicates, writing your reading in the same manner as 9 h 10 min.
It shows 3 h 41 min
